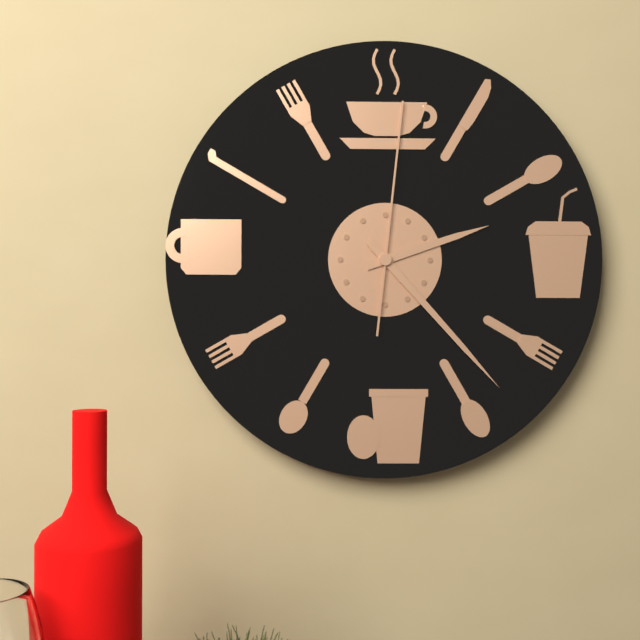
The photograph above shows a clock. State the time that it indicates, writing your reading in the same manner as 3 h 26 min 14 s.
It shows 2 h 23 min 01 s
